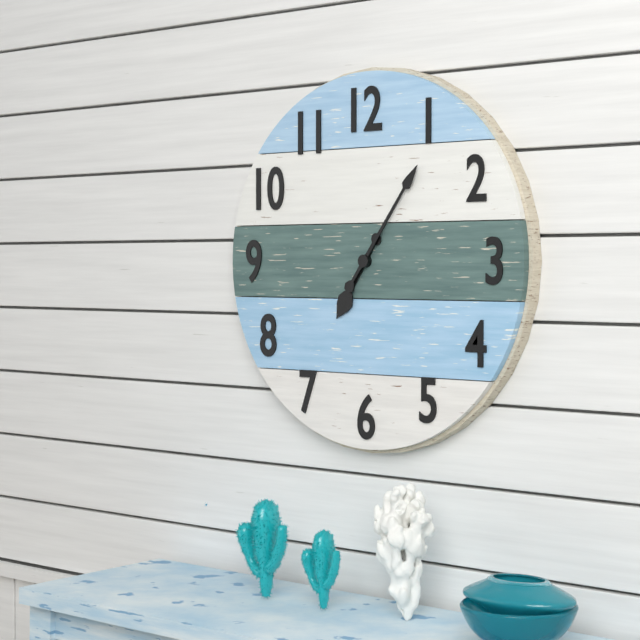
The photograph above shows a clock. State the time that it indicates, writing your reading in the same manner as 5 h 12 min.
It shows 7 h 06 min
